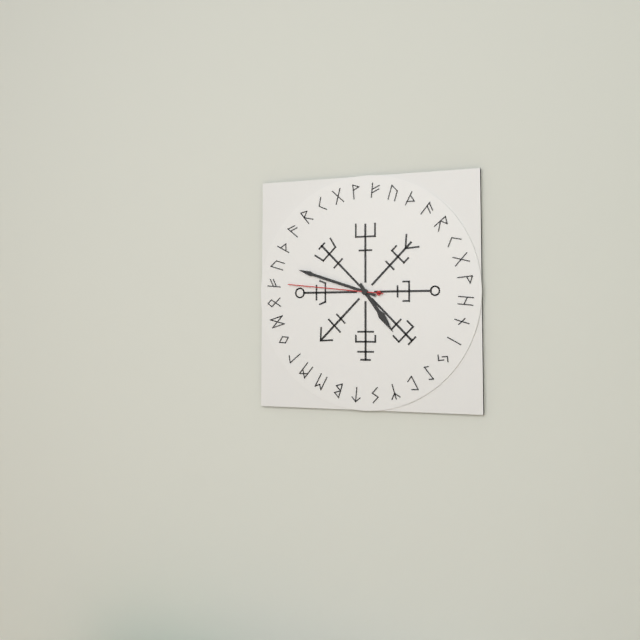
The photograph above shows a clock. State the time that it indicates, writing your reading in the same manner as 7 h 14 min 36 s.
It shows 4 h 48 min 46 s
